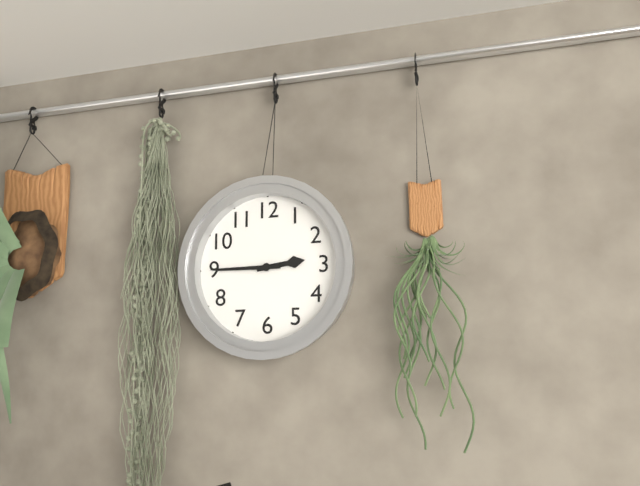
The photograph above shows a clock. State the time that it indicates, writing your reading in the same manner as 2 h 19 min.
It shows 2 h 45 min
